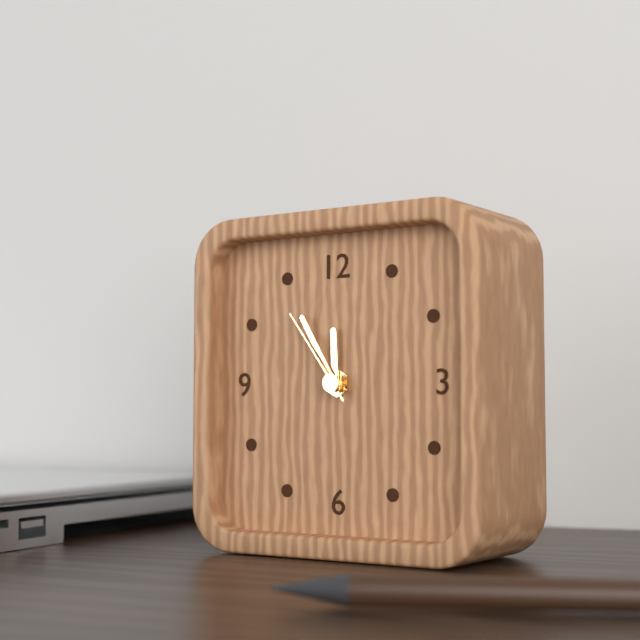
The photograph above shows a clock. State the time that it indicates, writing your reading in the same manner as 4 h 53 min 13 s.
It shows 11 h 55 min 54 s
